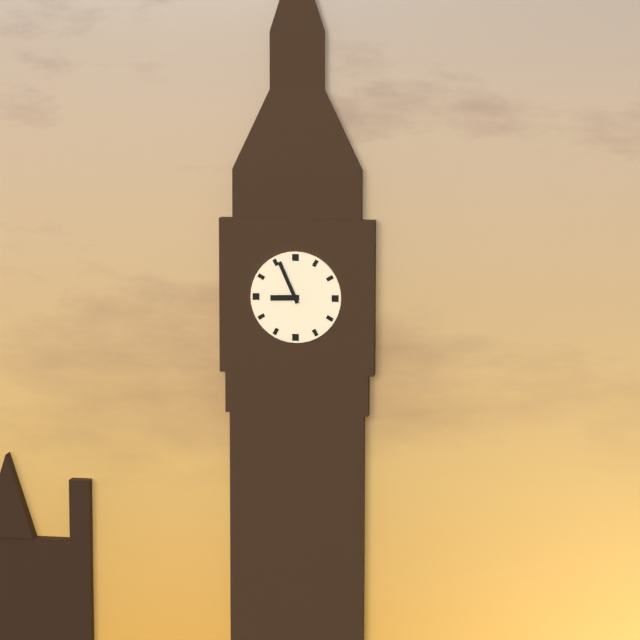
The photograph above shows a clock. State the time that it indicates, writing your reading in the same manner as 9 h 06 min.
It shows 8 h 56 min
